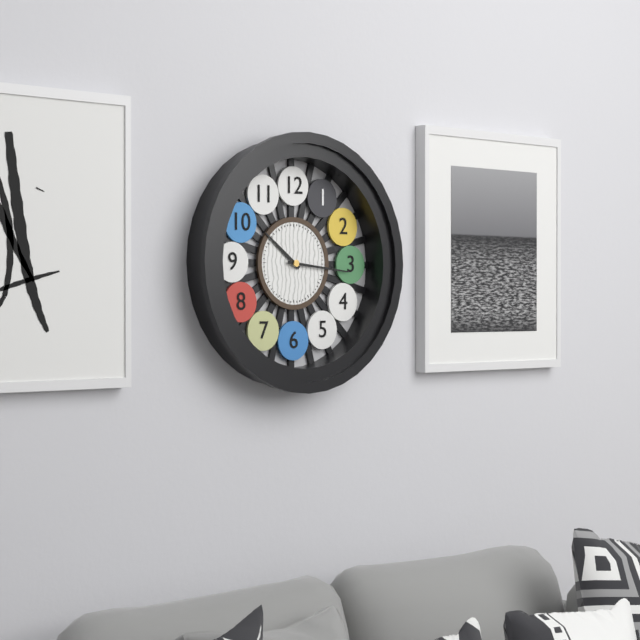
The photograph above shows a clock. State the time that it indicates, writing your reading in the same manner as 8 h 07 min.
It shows 10 h 16 min
